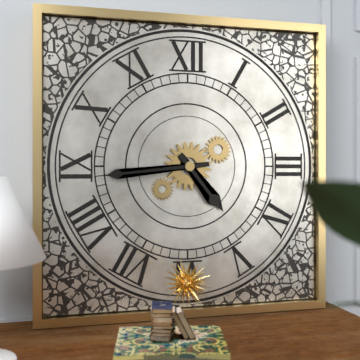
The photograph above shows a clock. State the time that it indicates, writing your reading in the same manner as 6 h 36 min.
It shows 4 h 44 min
